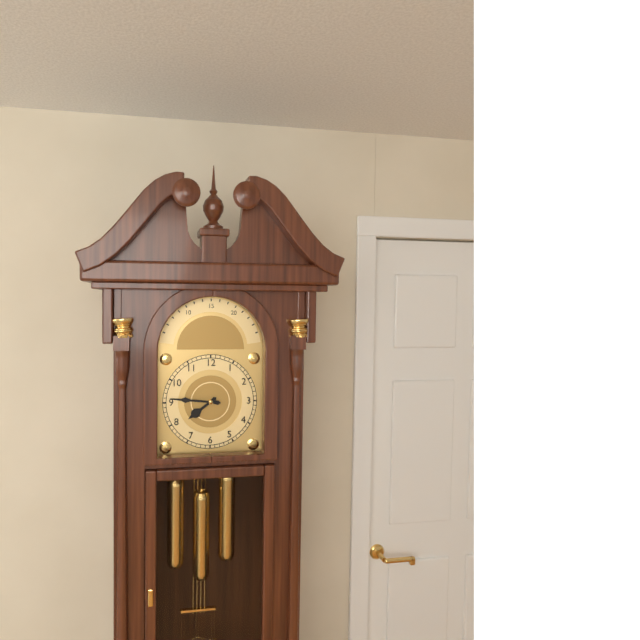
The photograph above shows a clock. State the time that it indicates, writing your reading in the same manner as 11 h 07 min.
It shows 7 h 46 min
